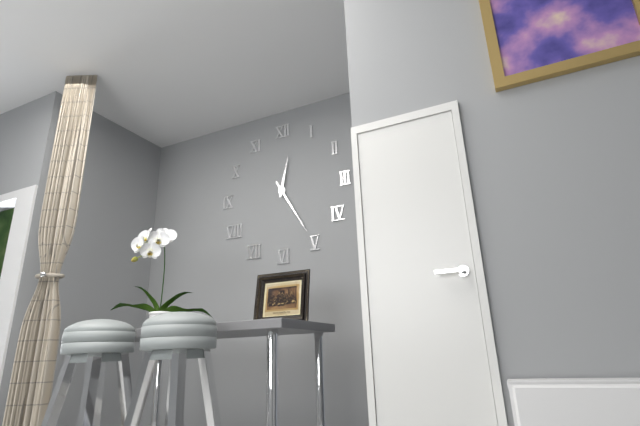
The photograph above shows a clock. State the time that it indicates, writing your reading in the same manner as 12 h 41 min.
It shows 12 h 25 min
